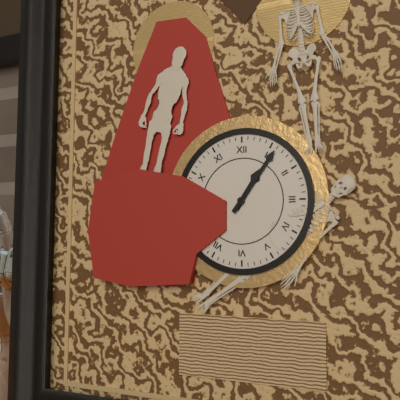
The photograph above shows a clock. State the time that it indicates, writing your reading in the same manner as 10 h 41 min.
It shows 1 h 06 min
